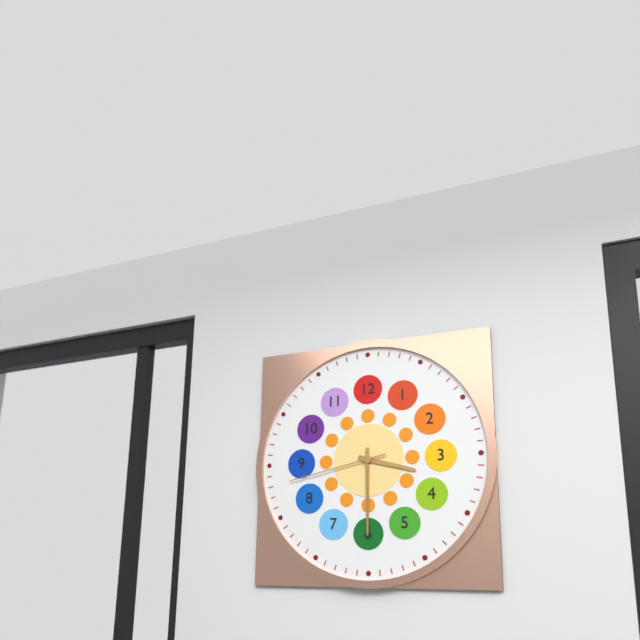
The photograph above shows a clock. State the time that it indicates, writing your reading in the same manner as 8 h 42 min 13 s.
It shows 3 h 30 min 43 s
